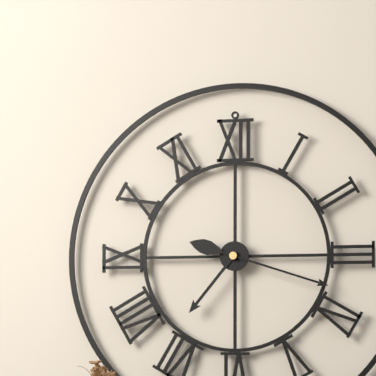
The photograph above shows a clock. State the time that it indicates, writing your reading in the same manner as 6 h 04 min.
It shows 7 h 18 min
